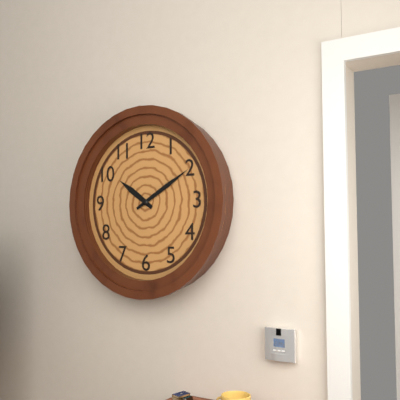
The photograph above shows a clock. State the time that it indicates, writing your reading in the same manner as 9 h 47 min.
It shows 10 h 10 min
